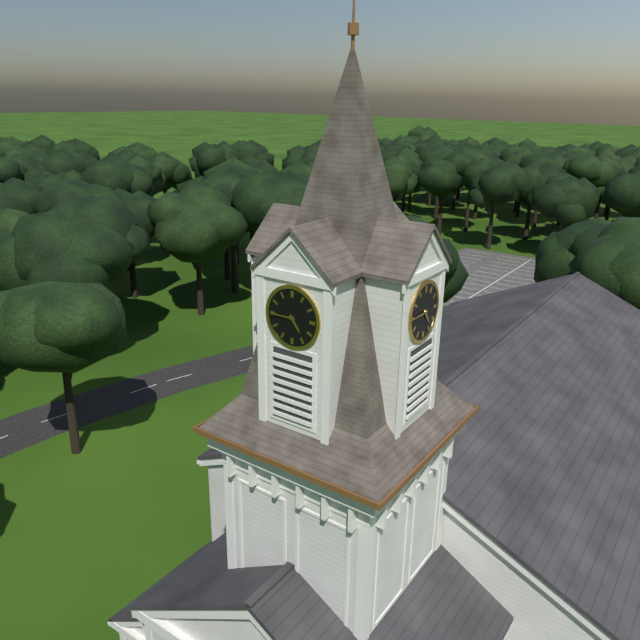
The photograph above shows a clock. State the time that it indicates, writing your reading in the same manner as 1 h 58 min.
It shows 4 h 45 min
